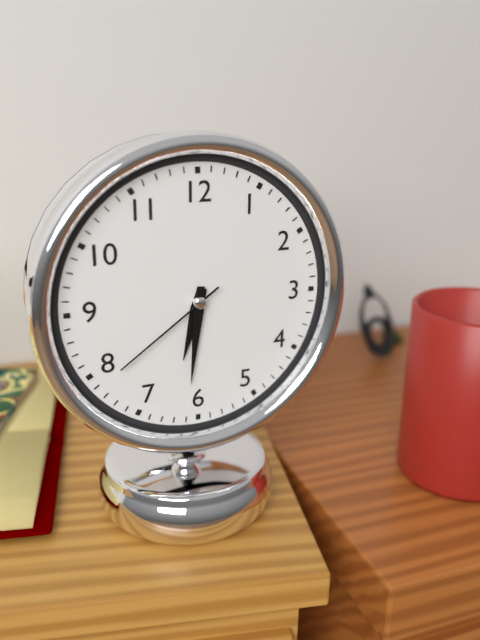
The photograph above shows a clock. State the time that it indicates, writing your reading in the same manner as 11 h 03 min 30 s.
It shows 6 h 31 min 39 s
